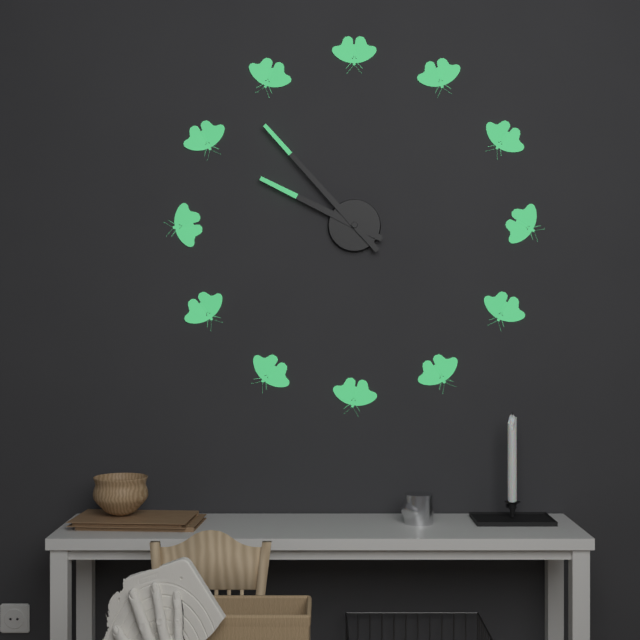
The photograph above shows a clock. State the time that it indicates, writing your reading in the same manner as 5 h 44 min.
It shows 9 h 53 min
